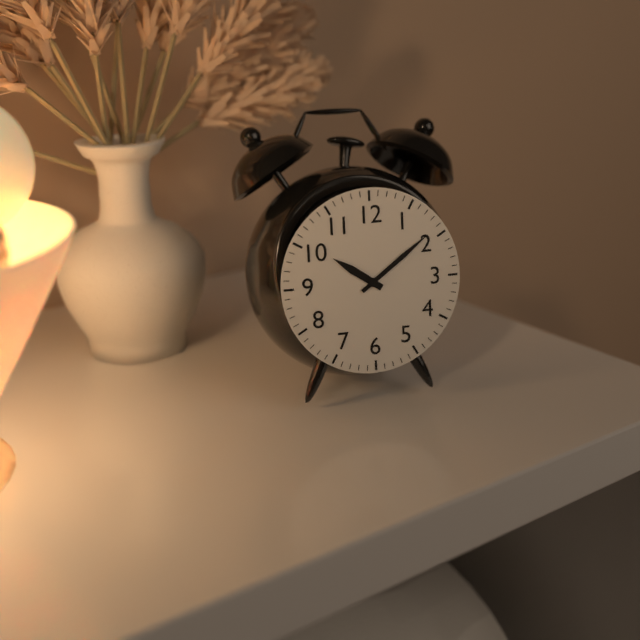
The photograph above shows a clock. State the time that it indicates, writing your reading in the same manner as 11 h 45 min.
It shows 10 h 09 min
